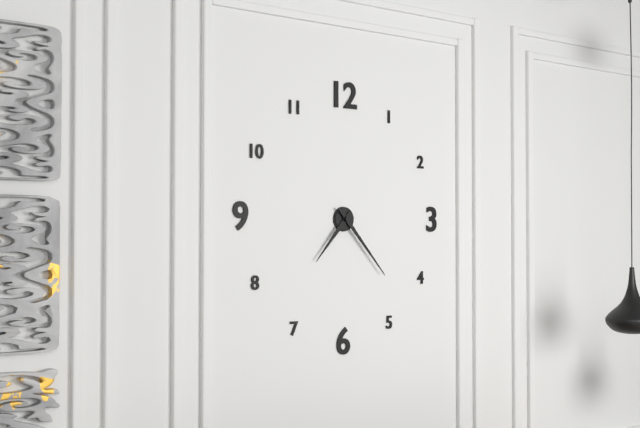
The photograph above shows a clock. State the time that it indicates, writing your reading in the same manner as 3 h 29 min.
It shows 7 h 23 min
